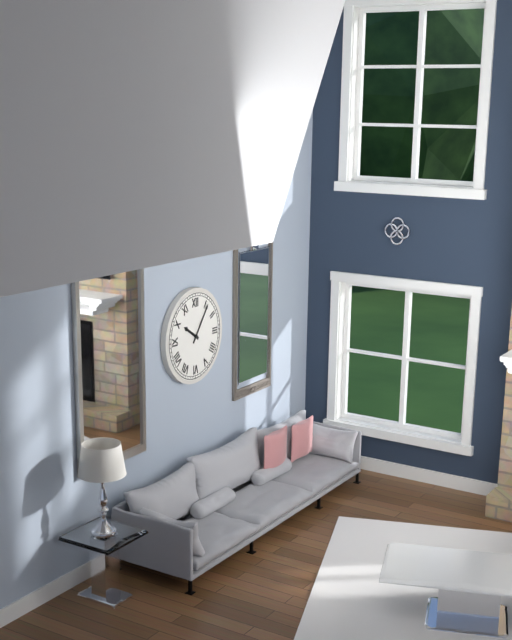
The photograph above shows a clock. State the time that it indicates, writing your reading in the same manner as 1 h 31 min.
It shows 10 h 06 min
